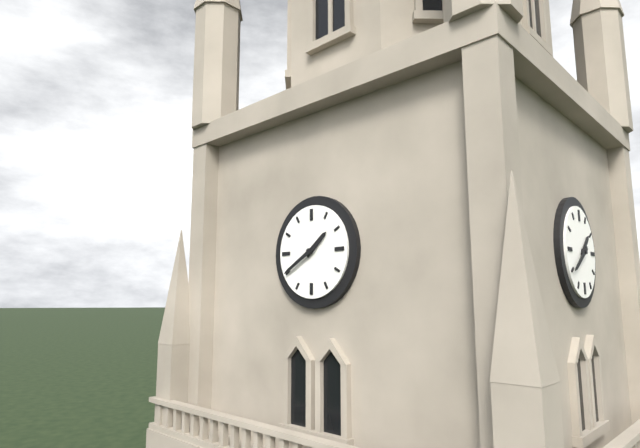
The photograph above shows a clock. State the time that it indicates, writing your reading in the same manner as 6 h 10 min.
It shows 1 h 40 min
